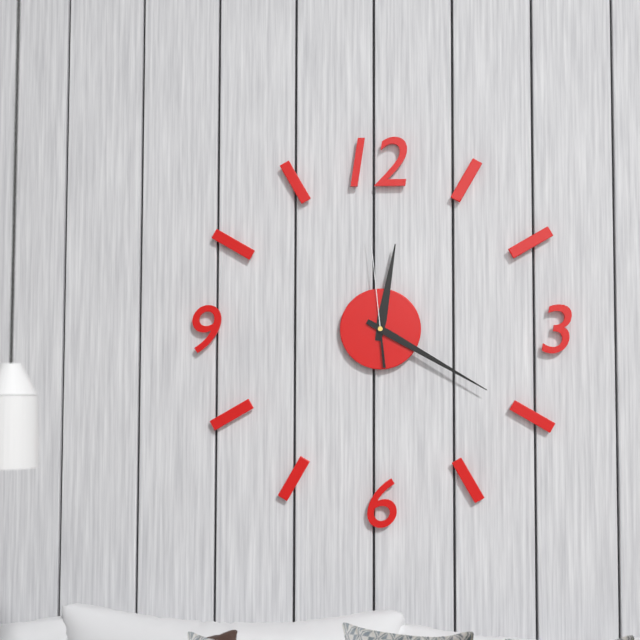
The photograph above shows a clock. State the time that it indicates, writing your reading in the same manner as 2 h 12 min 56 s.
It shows 12 h 20 min 59 s
